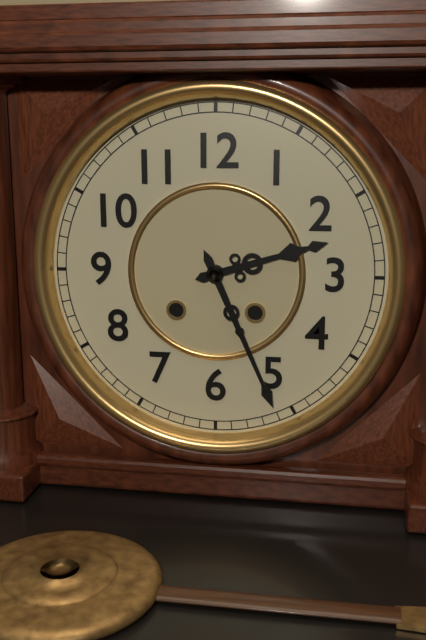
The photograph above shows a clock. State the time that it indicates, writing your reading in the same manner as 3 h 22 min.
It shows 2 h 26 min
